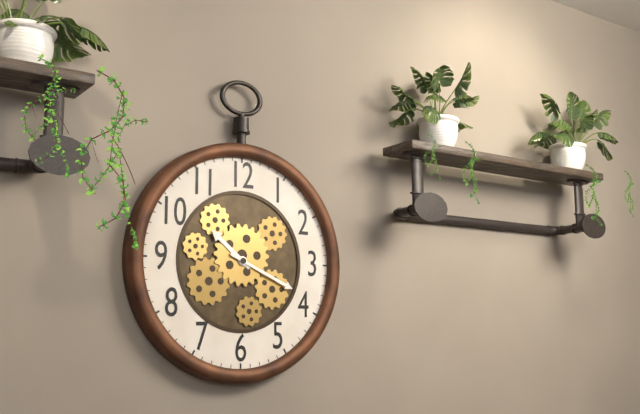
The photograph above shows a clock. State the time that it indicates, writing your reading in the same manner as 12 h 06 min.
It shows 10 h 19 min
